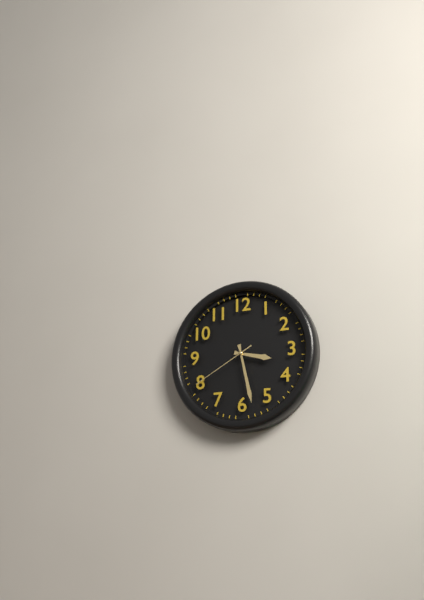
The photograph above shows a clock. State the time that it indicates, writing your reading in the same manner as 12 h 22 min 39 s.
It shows 3 h 28 min 40 s
